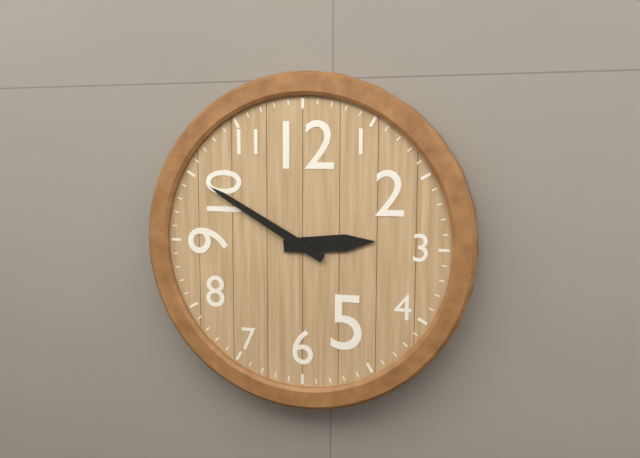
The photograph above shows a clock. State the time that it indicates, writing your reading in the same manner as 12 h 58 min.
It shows 2 h 50 min
